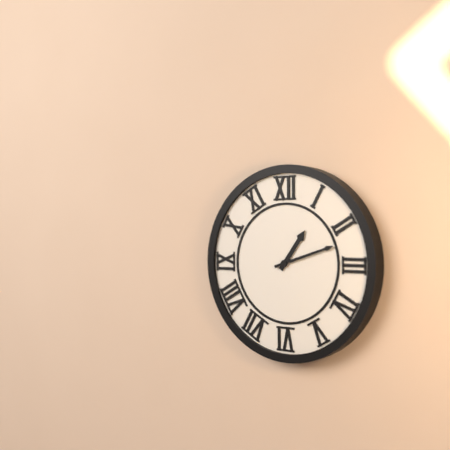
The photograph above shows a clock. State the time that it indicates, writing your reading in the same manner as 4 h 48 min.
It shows 1 h 12 min
